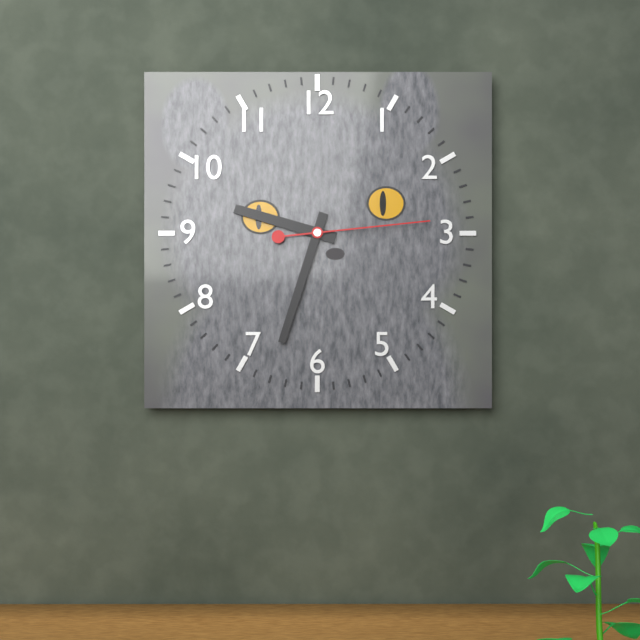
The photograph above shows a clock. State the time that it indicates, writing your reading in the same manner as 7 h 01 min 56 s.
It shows 9 h 33 min 14 s
